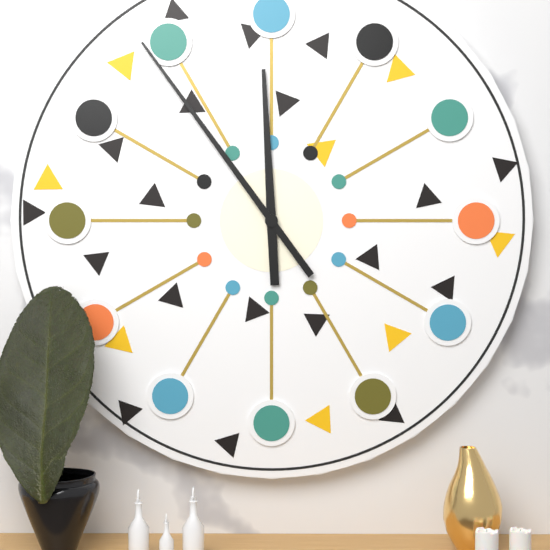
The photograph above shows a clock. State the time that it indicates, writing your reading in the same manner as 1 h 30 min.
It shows 11 h 54 min
